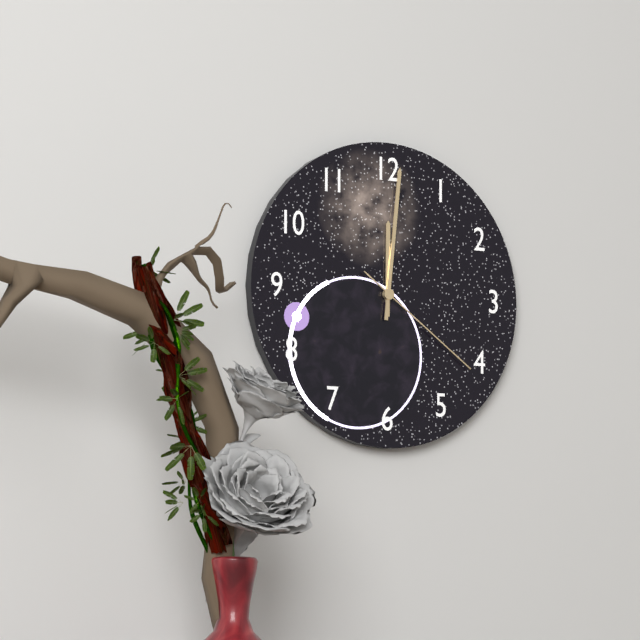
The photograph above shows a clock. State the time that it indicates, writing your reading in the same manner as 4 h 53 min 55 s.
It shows 12 h 01 min 21 s
